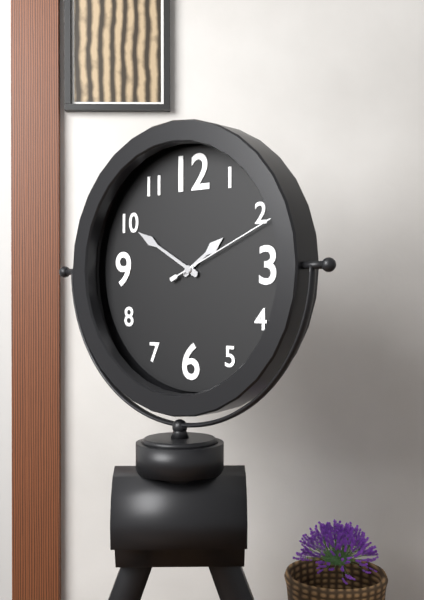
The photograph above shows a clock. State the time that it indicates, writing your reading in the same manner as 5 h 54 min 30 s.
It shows 1 h 50 min 11 s
